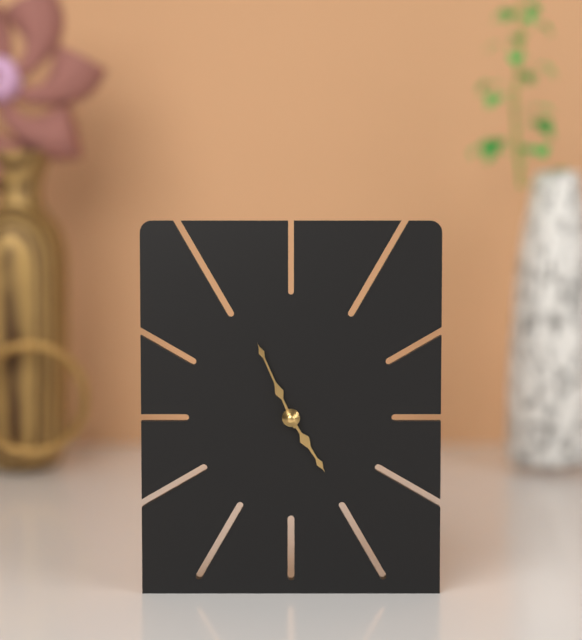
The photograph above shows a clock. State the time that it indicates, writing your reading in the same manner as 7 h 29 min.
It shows 4 h 56 min
